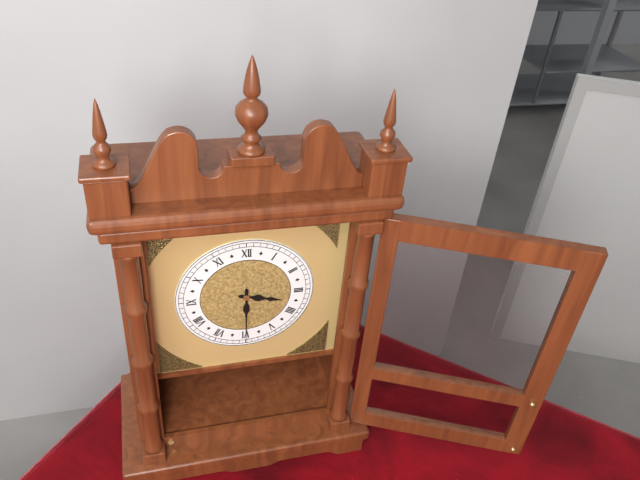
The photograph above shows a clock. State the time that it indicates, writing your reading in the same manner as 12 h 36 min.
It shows 3 h 30 min
